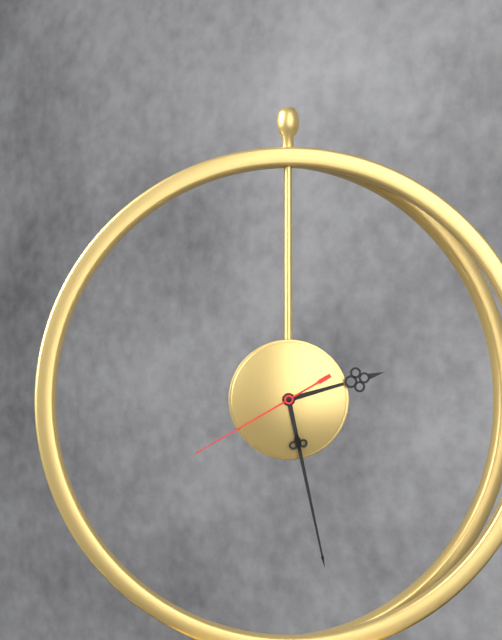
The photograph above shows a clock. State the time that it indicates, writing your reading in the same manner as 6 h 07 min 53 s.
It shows 2 h 28 min 40 s
